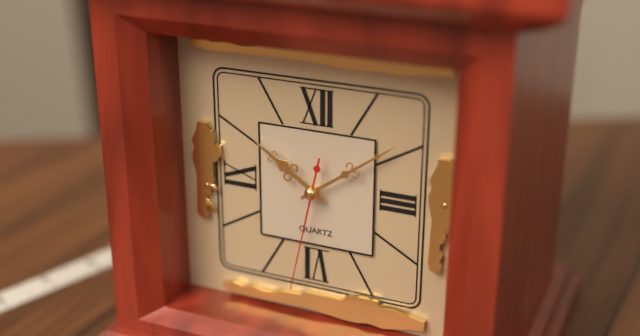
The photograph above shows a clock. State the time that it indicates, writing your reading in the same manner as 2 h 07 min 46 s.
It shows 10 h 09 min 32 s
